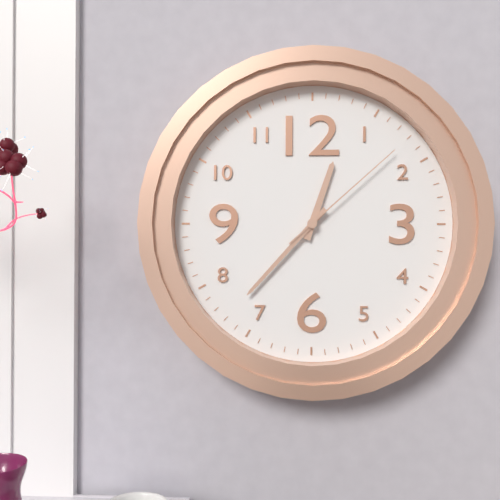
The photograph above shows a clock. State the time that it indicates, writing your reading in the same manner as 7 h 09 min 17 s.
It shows 12 h 37 min 08 s
